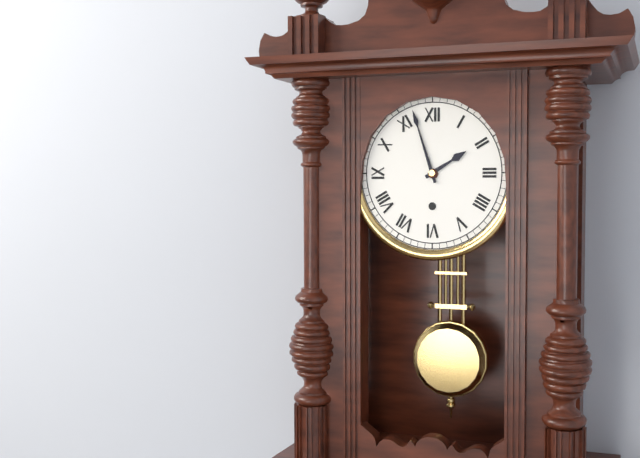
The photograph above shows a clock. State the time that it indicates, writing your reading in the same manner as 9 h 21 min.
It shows 1 h 57 min
